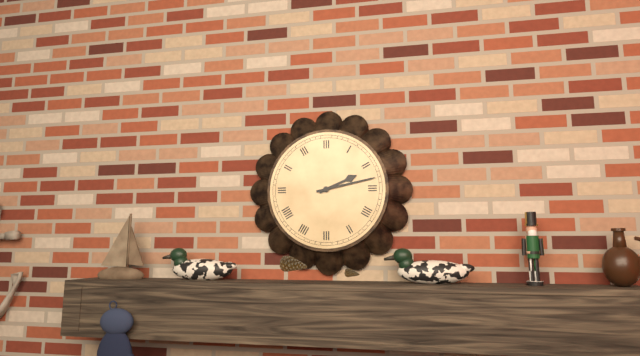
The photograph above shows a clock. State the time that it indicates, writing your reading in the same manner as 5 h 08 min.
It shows 2 h 13 min
